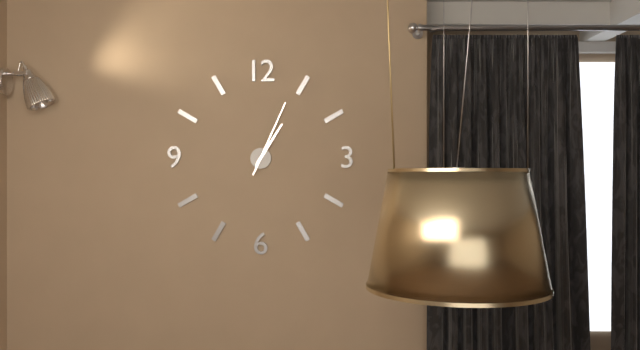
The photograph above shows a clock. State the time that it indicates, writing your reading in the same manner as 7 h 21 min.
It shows 1 h 04 min
